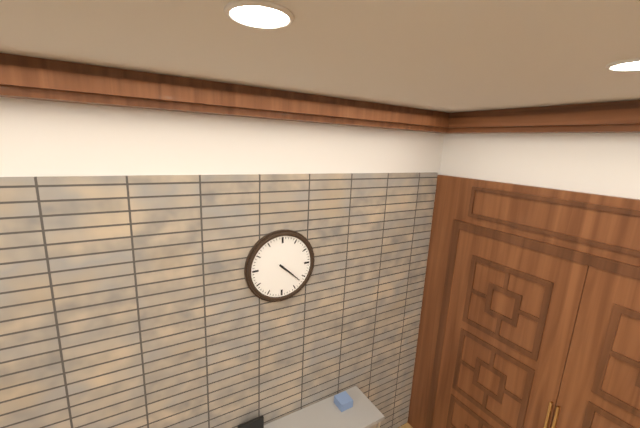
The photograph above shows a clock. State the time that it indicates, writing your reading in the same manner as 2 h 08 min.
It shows 4 h 22 min
